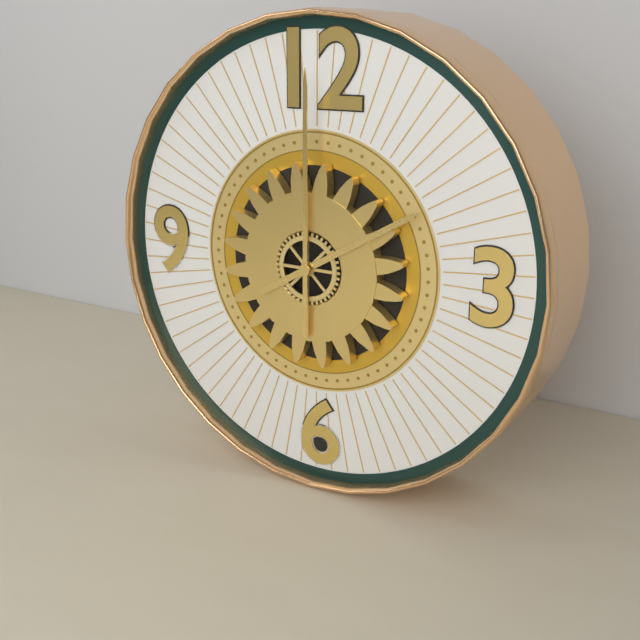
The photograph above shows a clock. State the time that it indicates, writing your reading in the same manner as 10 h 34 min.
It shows 2 h 00 min
